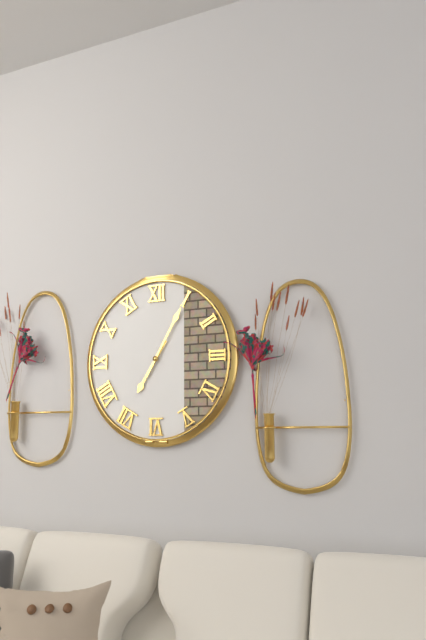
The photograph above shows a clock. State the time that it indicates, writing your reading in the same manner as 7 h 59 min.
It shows 7 h 05 min
